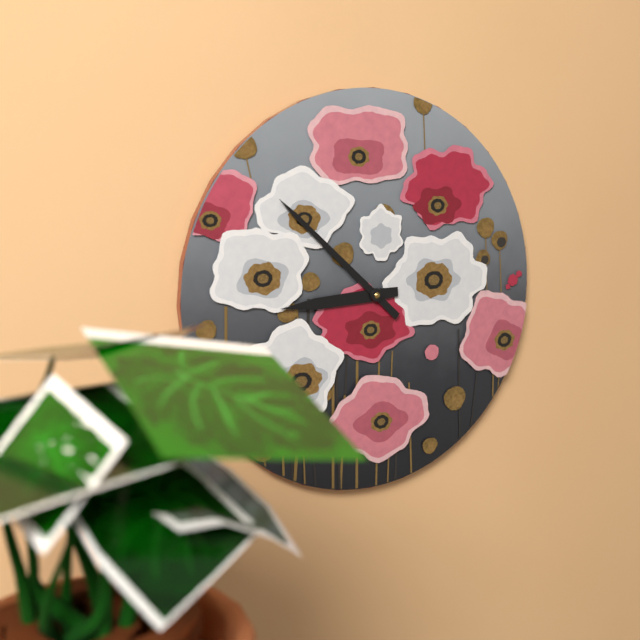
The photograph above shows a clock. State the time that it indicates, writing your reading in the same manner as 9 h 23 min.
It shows 8 h 52 min
